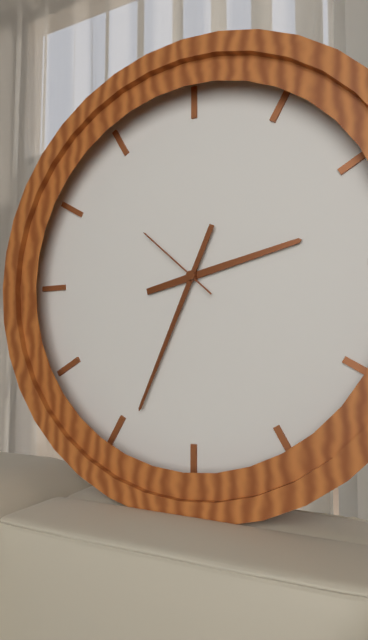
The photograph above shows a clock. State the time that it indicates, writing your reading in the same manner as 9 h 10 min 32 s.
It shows 2 h 34 min 52 s
